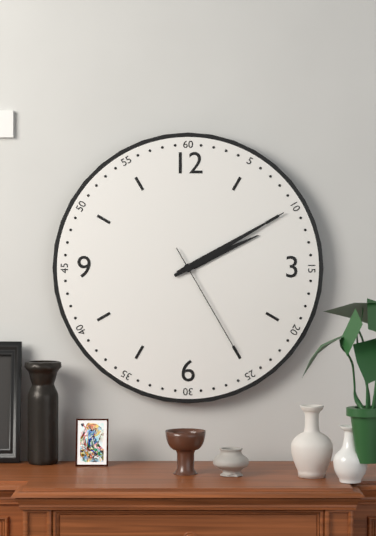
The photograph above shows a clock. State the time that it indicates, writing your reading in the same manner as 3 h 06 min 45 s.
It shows 2 h 10 min 25 s
